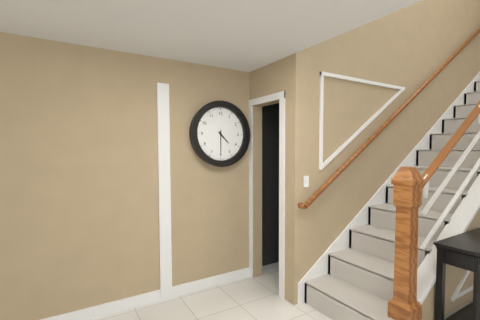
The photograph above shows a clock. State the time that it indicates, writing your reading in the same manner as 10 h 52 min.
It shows 4 h 30 min
